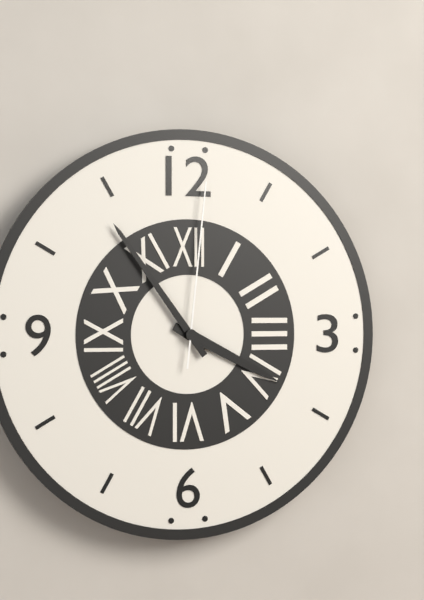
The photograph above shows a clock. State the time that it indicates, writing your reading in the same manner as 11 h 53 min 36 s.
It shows 3 h 54 min 01 s
